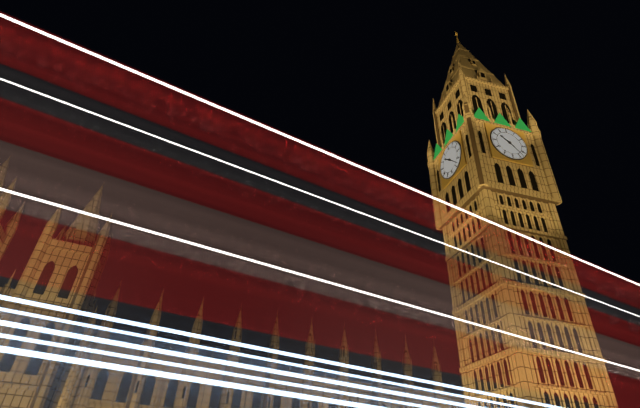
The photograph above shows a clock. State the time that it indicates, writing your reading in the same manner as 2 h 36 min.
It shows 10 h 23 min
